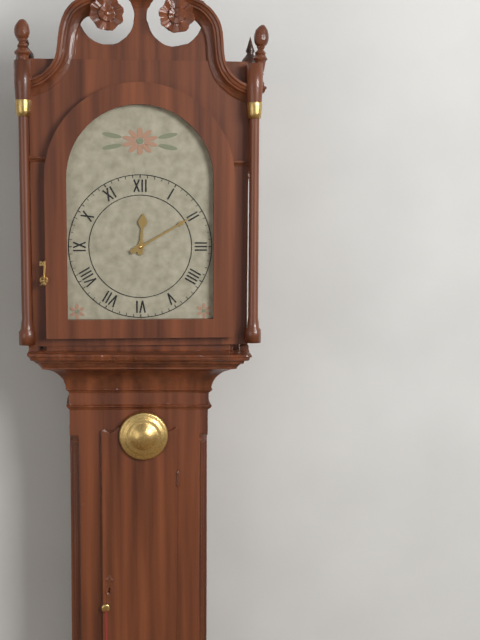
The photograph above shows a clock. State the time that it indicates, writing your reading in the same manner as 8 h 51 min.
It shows 12 h 10 min
